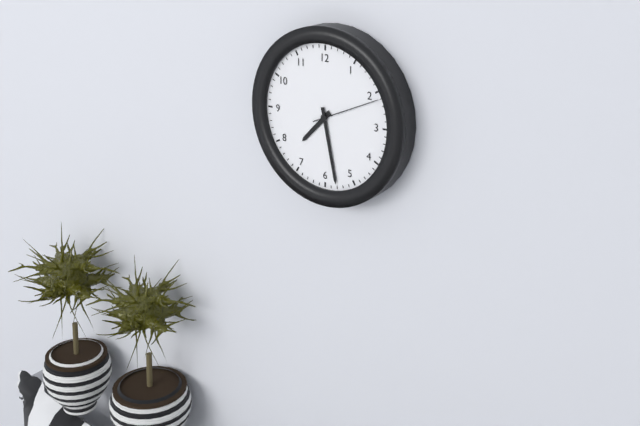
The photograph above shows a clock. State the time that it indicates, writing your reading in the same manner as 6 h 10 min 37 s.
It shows 7 h 28 min 11 s
